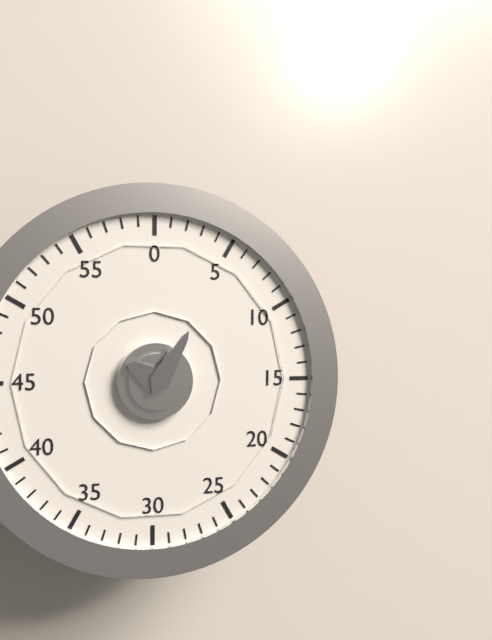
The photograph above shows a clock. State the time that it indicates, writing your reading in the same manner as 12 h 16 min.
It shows 10 h 05 min
